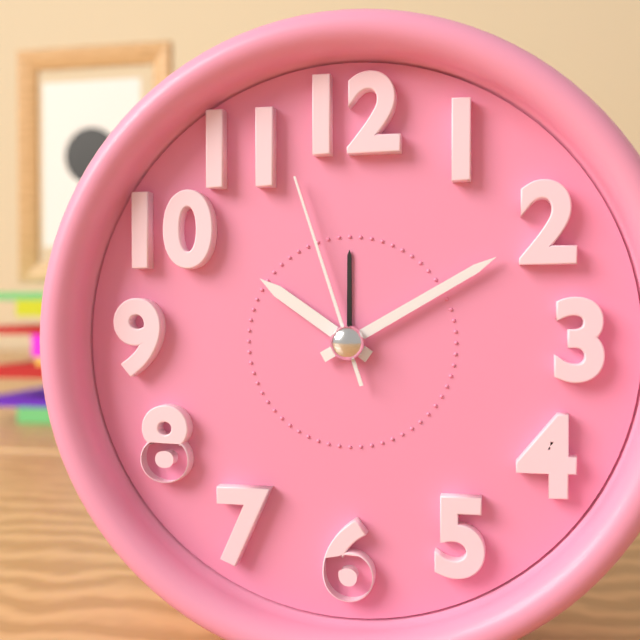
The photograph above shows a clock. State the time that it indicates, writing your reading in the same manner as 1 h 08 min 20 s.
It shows 10 h 10 min 57 s
